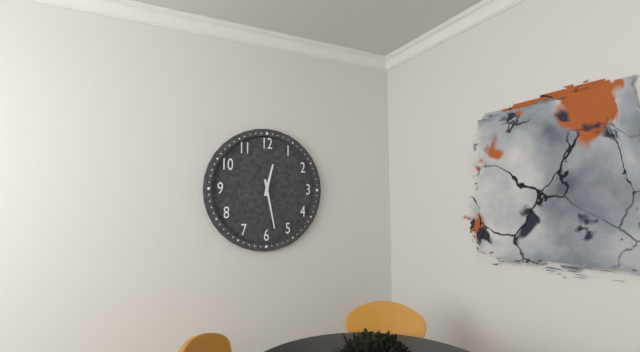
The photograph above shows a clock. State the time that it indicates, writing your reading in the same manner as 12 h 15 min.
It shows 12 h 28 min
